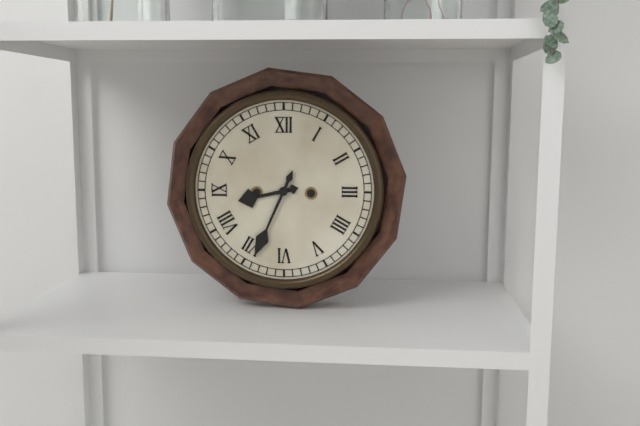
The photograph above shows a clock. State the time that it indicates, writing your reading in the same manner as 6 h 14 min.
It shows 8 h 34 min
